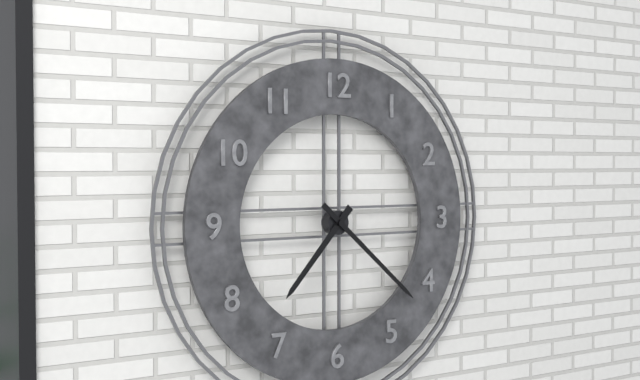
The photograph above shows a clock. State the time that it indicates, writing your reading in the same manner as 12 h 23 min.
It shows 7 h 22 min
